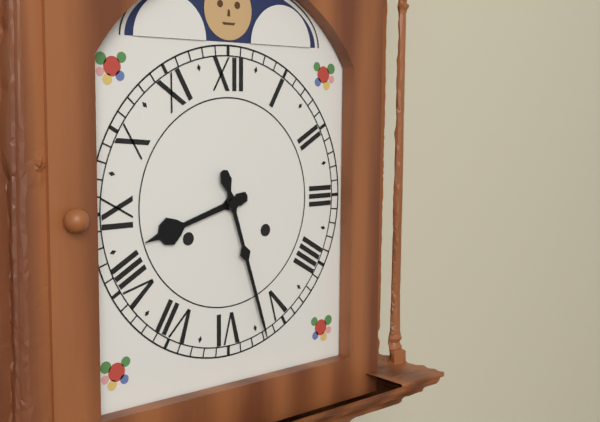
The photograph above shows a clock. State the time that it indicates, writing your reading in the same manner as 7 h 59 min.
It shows 8 h 27 min
